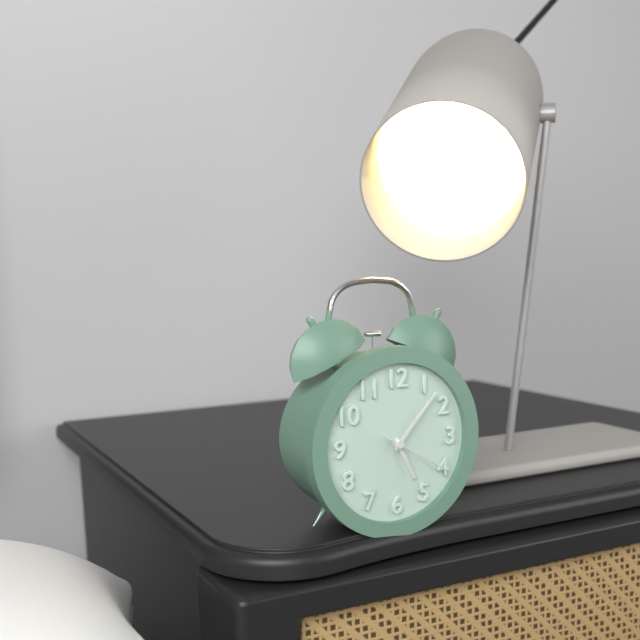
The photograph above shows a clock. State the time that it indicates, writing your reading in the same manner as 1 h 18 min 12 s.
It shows 5 h 07 min 20 s
